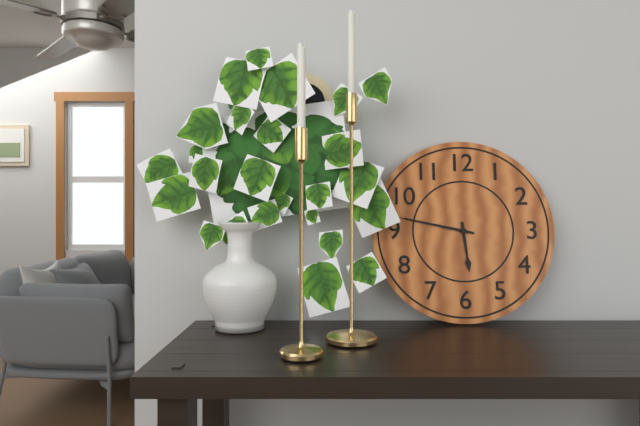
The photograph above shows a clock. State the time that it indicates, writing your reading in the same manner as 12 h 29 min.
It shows 5 h 47 min
